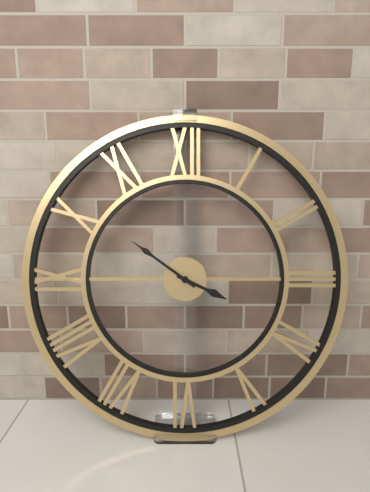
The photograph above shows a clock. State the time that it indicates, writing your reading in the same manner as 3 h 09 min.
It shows 3 h 51 min
